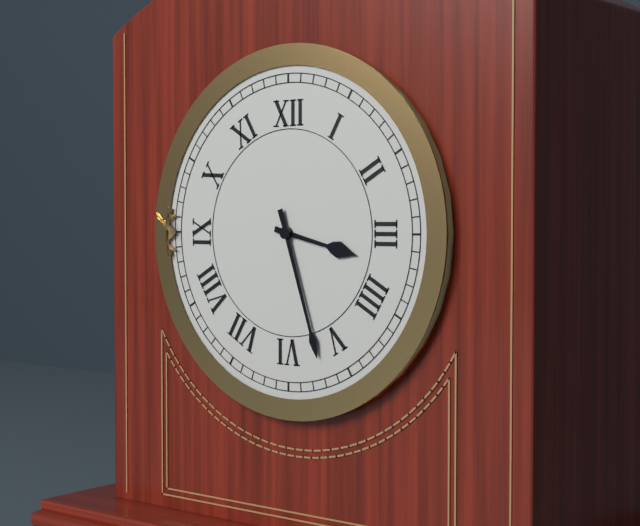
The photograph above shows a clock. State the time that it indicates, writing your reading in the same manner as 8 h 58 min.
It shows 3 h 27 min
